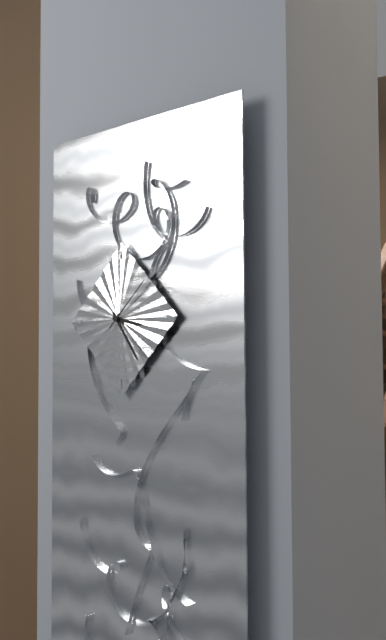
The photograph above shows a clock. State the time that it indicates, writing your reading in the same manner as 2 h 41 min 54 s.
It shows 3 h 24 min 08 s
